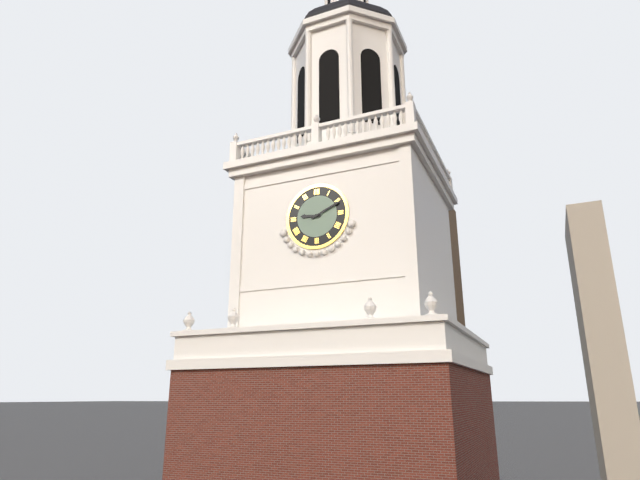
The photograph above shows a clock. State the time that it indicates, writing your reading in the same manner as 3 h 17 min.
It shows 9 h 11 min
